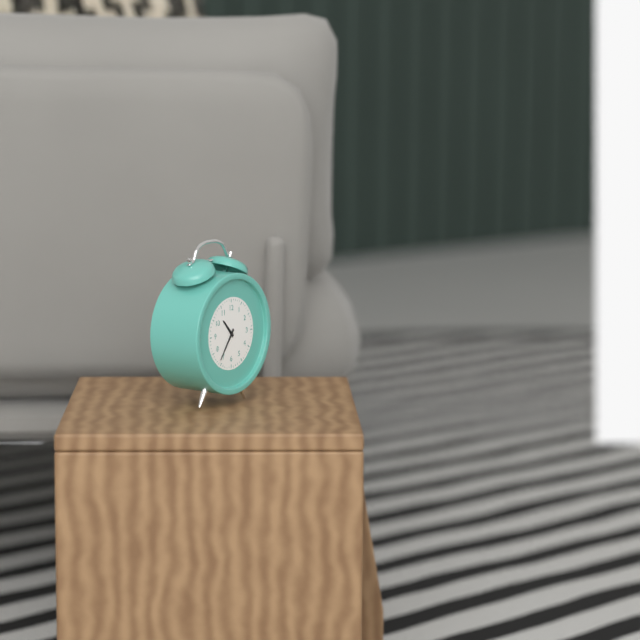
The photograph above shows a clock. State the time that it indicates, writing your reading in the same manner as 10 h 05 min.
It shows 10 h 36 min
